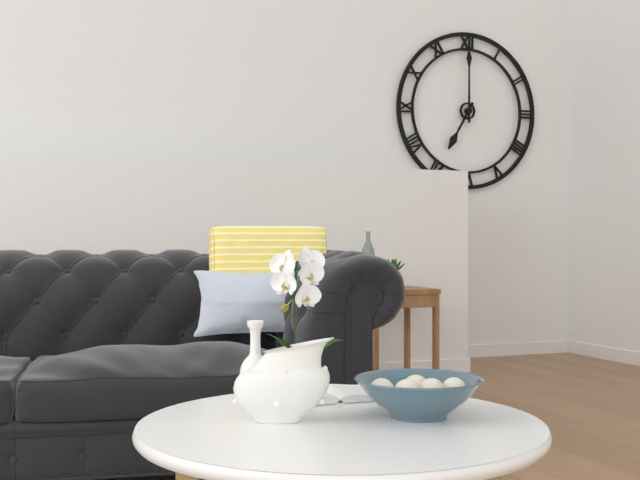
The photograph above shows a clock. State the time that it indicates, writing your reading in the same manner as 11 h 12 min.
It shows 7 h 00 min
